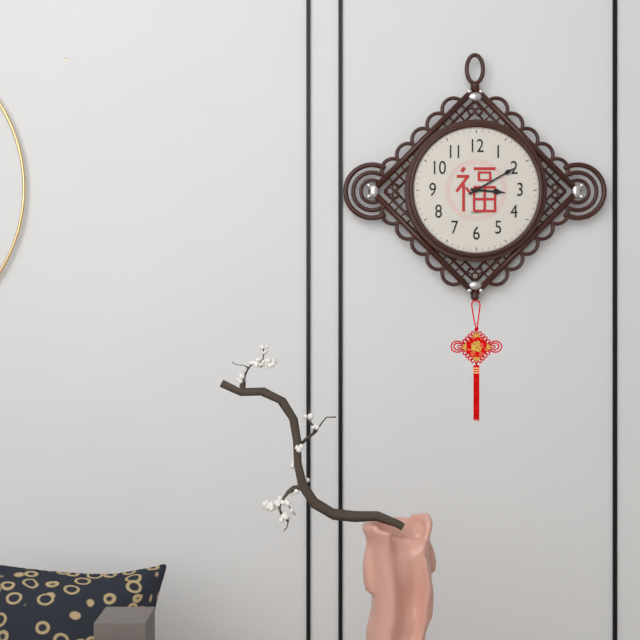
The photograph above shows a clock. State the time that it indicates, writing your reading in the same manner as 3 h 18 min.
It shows 3 h 10 min
